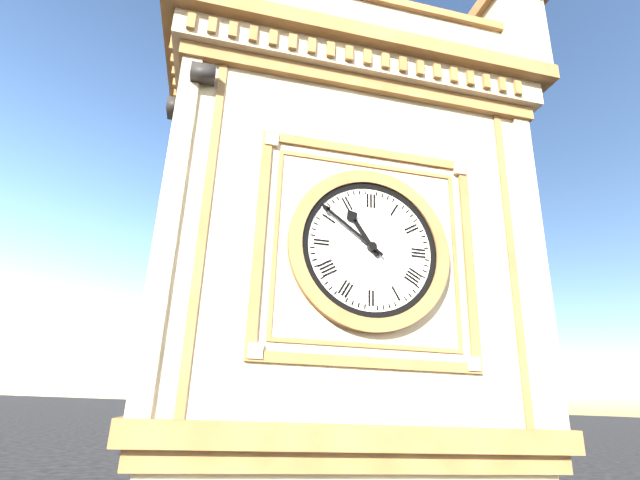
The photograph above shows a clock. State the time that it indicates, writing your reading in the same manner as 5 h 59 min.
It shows 10 h 51 min
